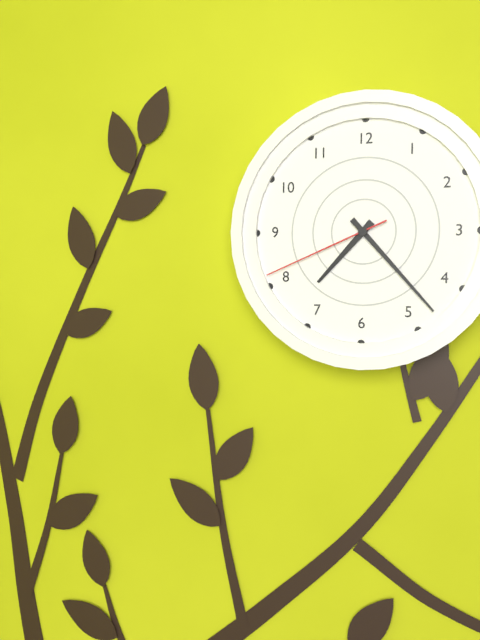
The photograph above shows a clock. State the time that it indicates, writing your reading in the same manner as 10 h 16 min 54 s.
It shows 7 h 23 min 41 s
